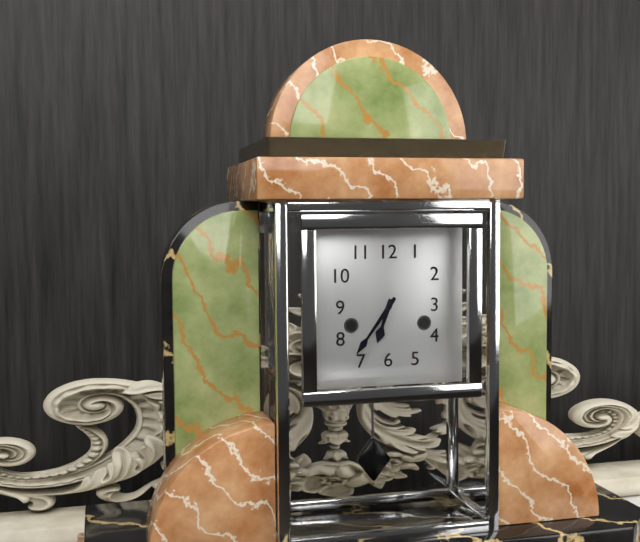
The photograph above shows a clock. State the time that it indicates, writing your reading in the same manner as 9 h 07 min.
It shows 6 h 36 min
